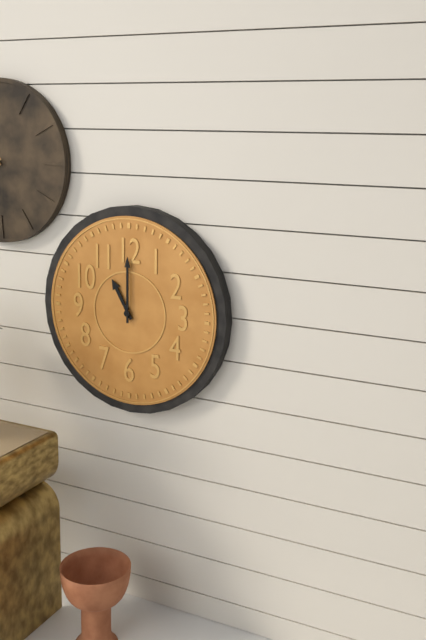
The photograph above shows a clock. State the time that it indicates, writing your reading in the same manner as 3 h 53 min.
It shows 11 h 00 min
